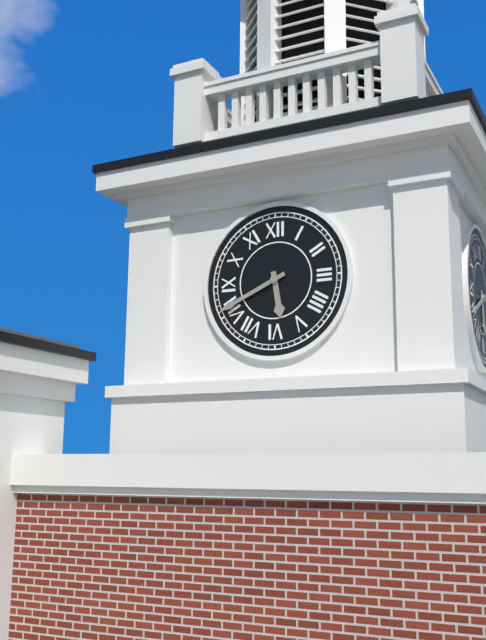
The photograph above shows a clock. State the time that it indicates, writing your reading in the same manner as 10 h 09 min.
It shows 5 h 41 min
